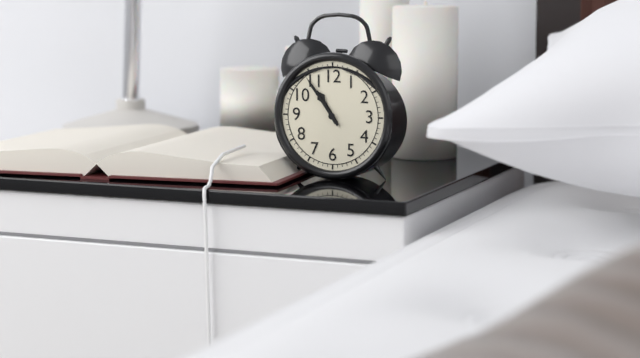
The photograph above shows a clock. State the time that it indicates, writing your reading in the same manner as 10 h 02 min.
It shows 10 h 54 min
